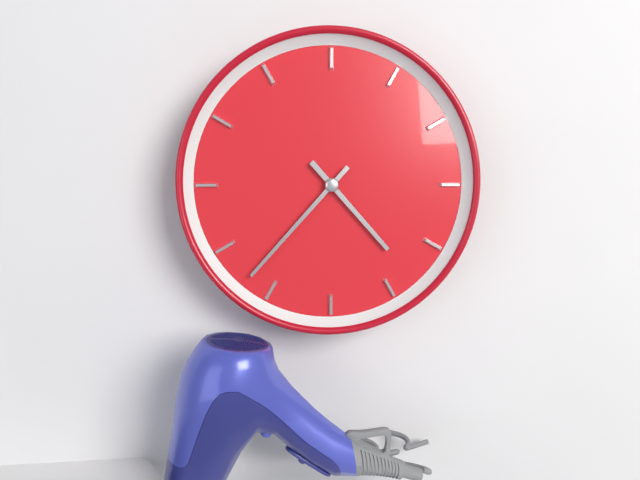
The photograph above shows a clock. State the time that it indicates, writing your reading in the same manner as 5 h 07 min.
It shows 4 h 37 min
